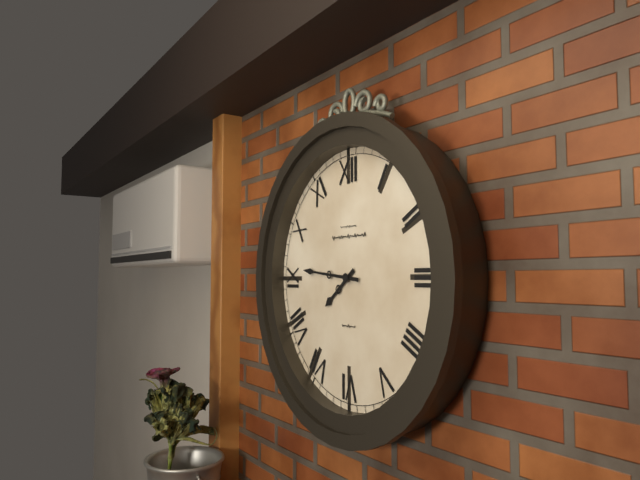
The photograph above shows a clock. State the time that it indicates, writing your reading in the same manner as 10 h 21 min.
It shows 7 h 46 min
